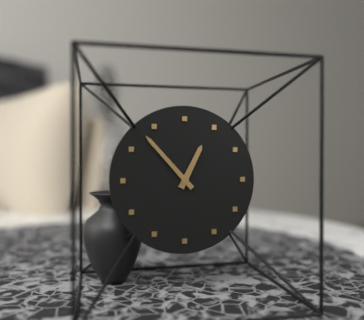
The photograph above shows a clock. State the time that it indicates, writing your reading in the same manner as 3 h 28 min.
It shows 12 h 53 min
